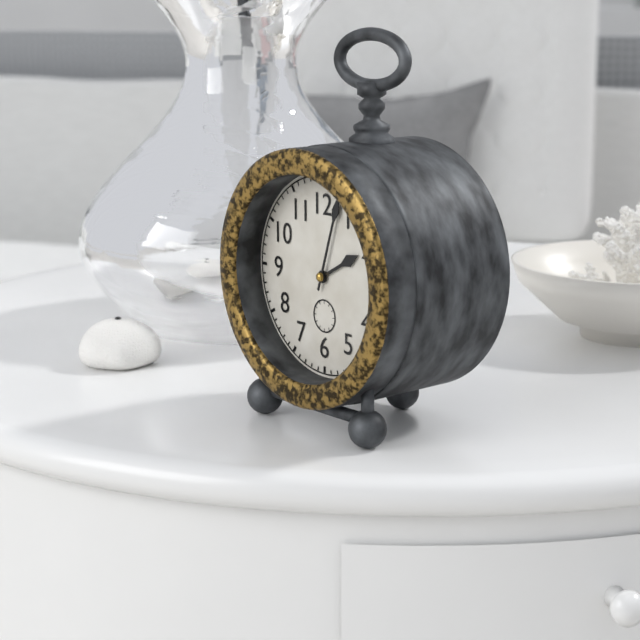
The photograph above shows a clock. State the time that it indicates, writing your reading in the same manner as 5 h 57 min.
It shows 2 h 03 min
